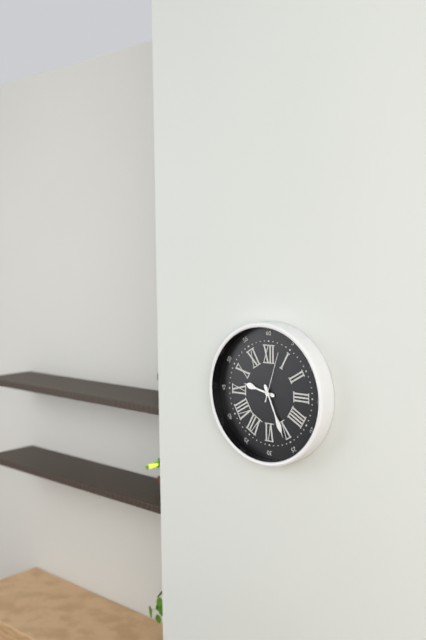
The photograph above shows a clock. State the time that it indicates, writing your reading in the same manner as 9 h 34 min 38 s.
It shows 9 h 26 min 03 s
